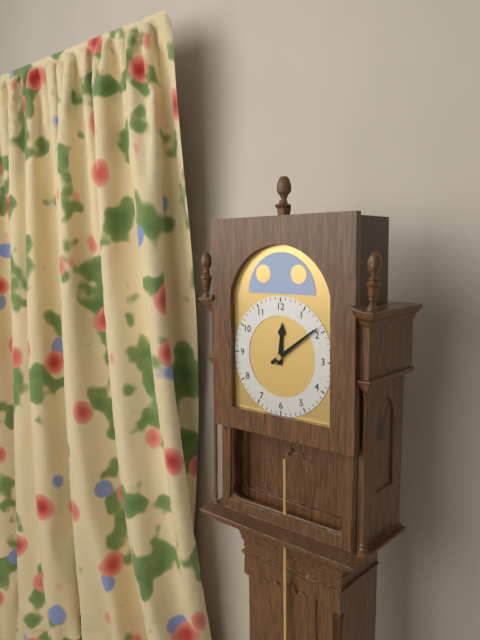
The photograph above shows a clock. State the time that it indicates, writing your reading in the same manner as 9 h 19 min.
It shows 12 h 09 min
